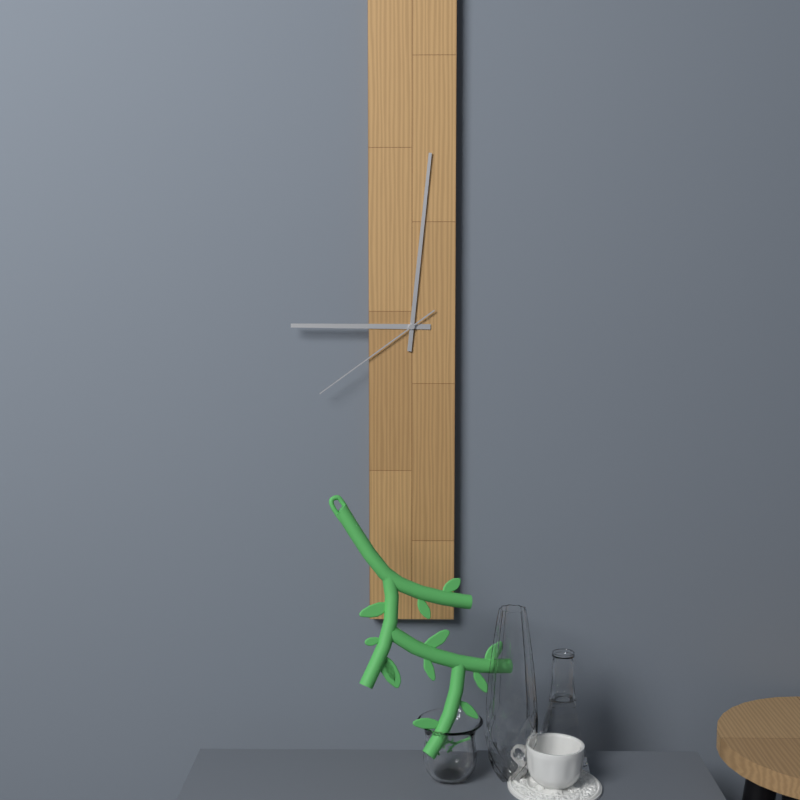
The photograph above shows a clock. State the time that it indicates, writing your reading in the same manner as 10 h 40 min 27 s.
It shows 9 h 01 min 39 s
